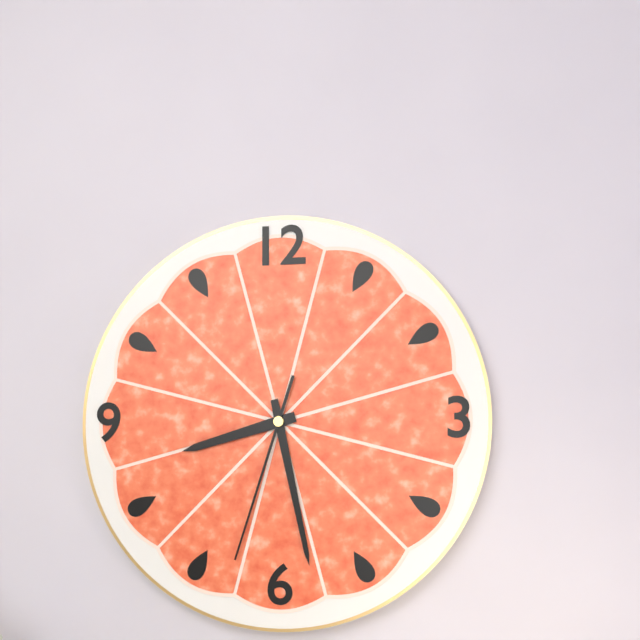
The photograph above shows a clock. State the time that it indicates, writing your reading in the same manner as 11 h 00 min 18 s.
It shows 8 h 28 min 33 s
